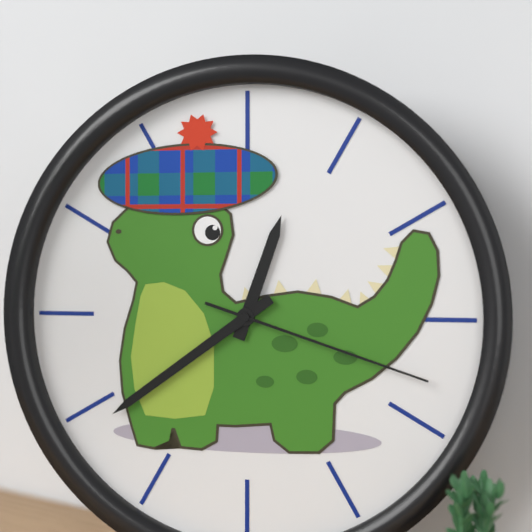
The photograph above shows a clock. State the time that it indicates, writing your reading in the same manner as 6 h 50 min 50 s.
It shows 12 h 39 min 18 s
